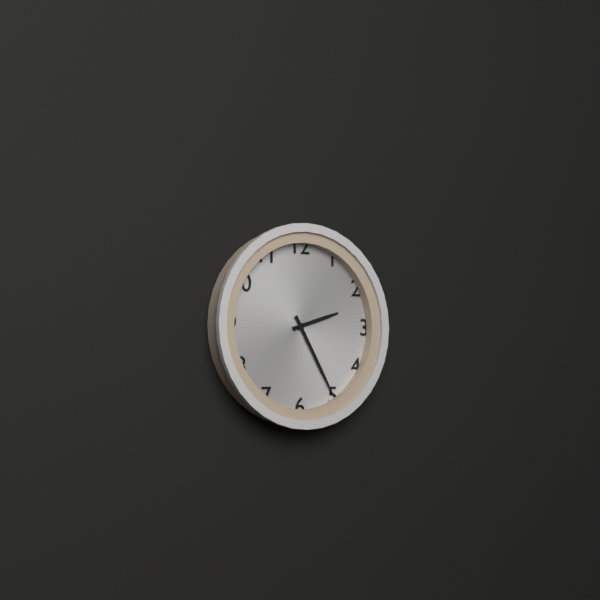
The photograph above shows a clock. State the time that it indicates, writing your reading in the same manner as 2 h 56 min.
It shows 2 h 25 min
